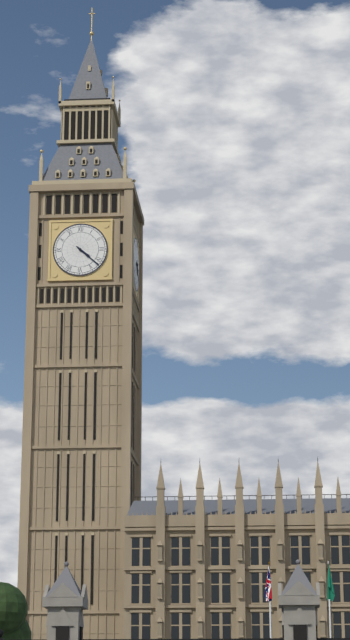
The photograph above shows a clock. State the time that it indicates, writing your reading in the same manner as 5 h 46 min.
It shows 4 h 22 min
